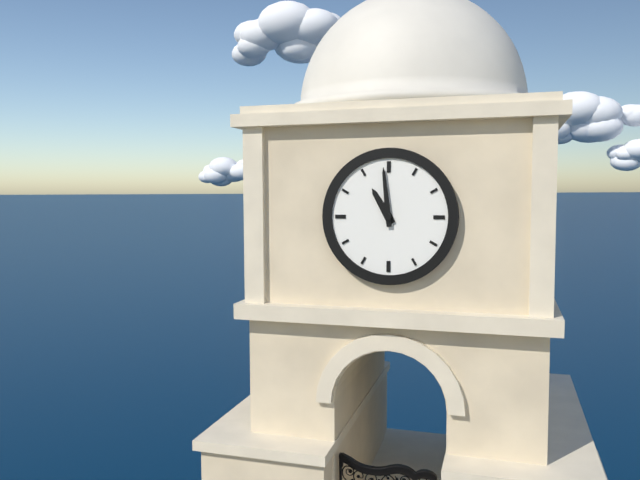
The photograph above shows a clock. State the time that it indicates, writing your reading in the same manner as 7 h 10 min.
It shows 10 h 59 min
